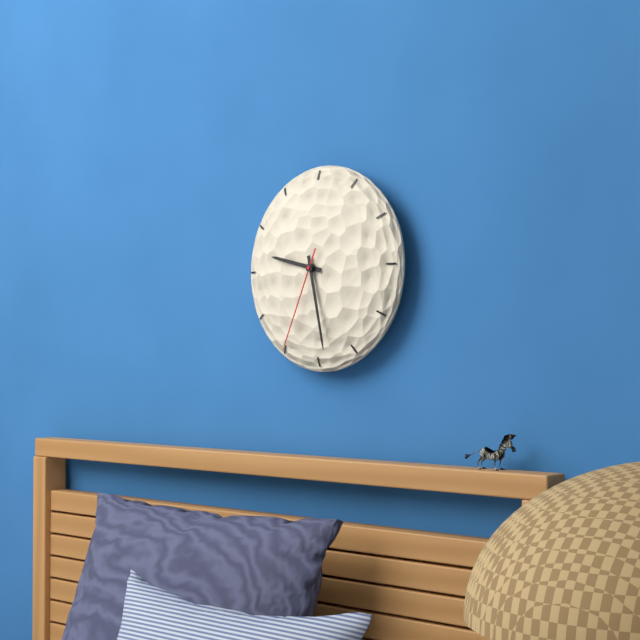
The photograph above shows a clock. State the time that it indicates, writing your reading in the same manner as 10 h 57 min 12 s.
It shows 9 h 28 min 34 s
